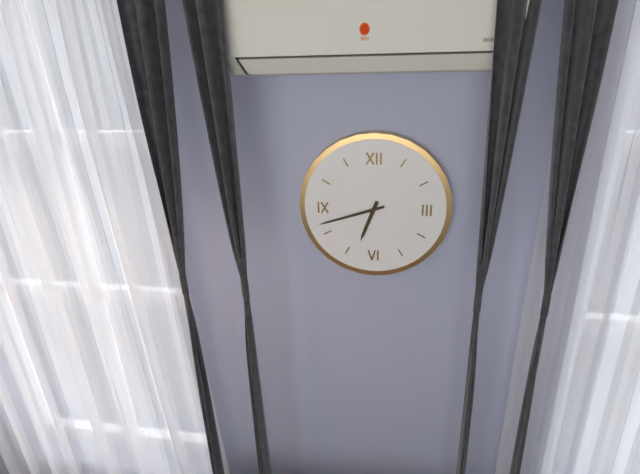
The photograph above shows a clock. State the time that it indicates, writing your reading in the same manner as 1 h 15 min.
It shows 6 h 42 min
